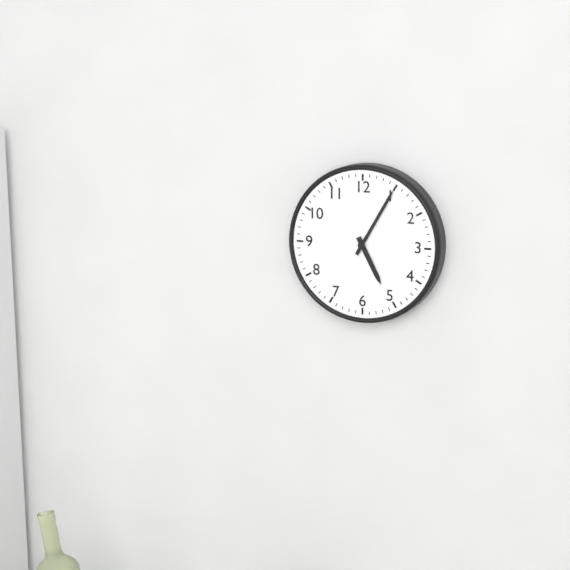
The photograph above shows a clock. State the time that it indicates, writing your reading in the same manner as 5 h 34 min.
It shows 5 h 05 min
